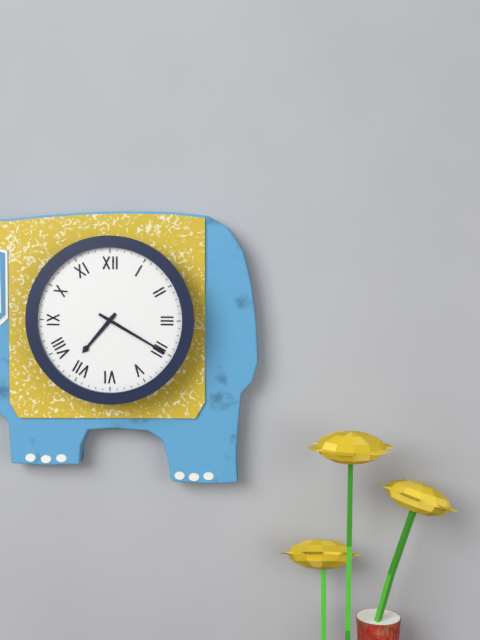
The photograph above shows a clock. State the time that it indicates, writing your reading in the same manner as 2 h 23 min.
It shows 7 h 20 min
